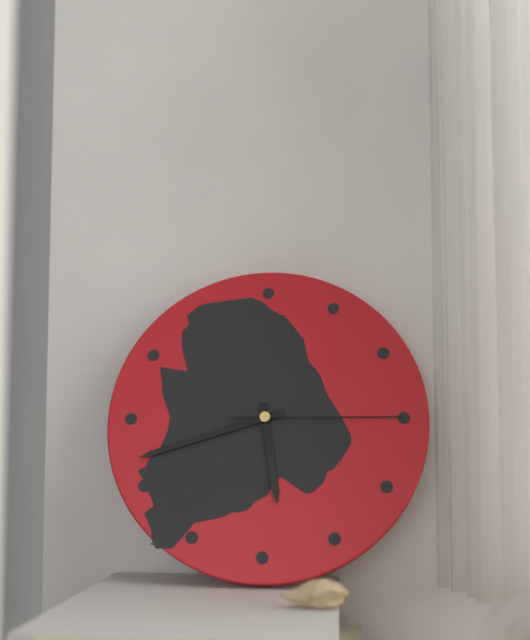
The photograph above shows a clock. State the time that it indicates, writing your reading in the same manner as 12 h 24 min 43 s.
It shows 5 h 42 min 15 s
